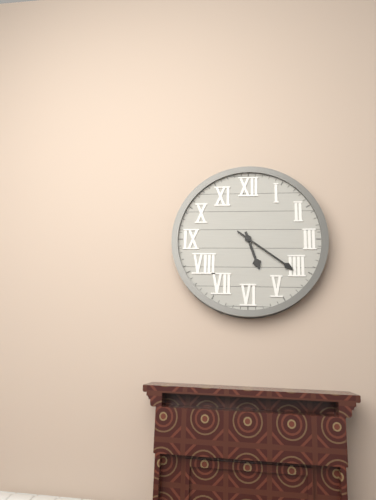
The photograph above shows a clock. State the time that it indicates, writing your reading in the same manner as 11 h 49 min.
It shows 5 h 21 min
